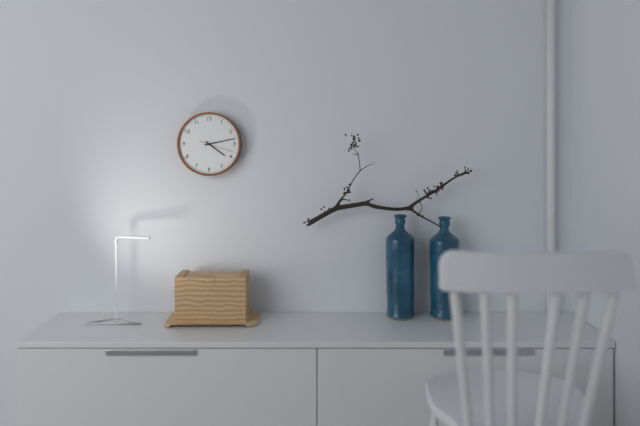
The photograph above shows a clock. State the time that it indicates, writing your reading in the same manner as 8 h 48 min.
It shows 4 h 13 min
